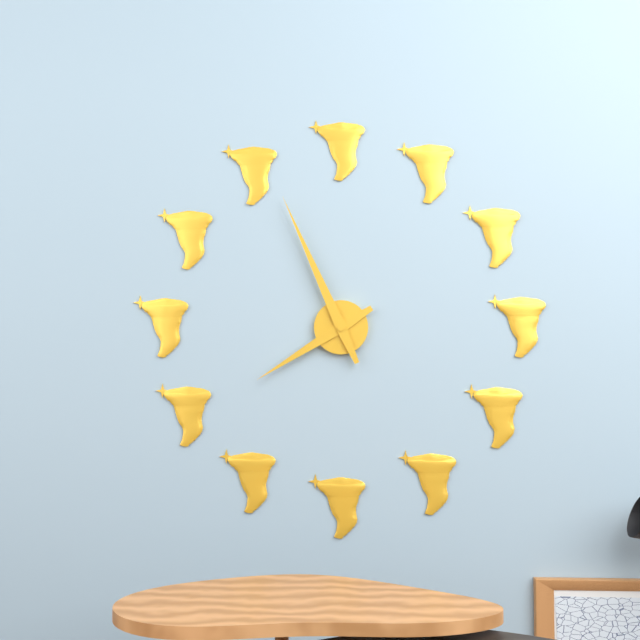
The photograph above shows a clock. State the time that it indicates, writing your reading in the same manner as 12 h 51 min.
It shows 7 h 56 min
